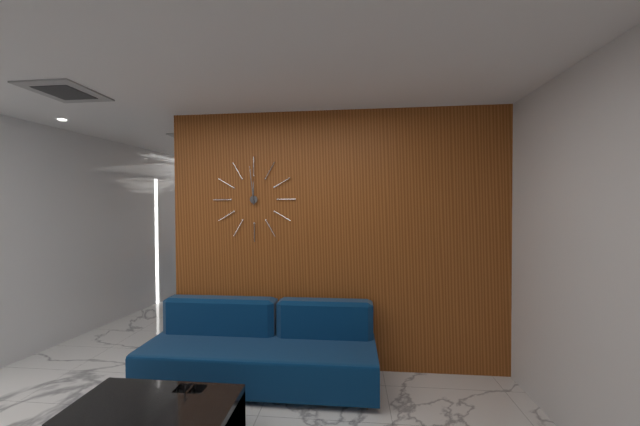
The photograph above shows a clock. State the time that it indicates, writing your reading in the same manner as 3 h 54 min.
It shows 11 h 59 min
